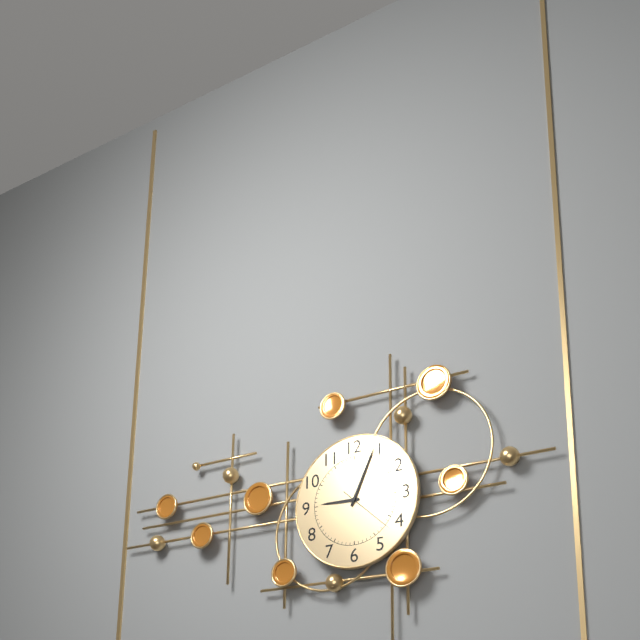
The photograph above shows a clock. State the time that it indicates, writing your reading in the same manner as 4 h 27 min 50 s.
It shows 9 h 04 min 22 s
